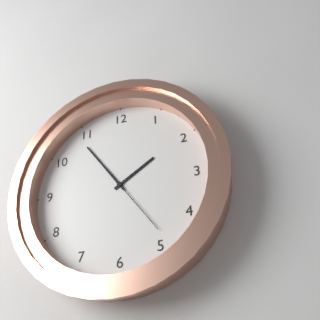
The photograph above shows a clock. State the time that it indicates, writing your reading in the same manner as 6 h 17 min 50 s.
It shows 1 h 54 min 24 s
